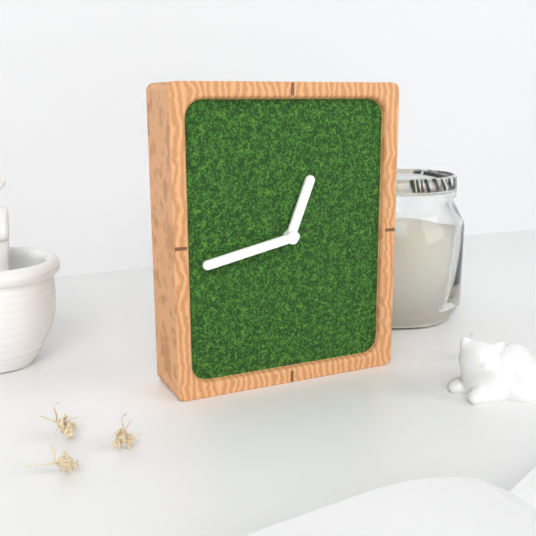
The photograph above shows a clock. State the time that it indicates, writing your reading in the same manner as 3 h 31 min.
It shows 12 h 43 min
